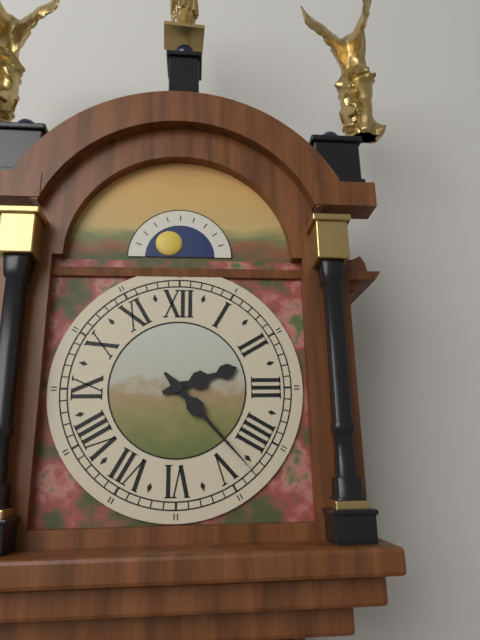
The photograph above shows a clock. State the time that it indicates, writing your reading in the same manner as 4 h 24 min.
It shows 2 h 23 min
